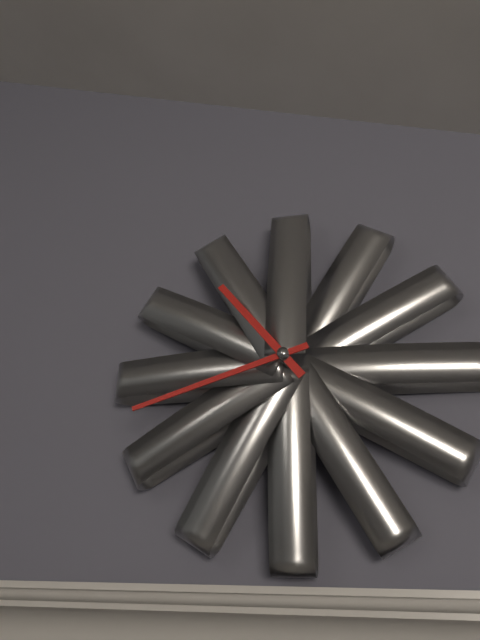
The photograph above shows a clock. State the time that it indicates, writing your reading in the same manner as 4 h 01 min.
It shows 10 h 42 min
